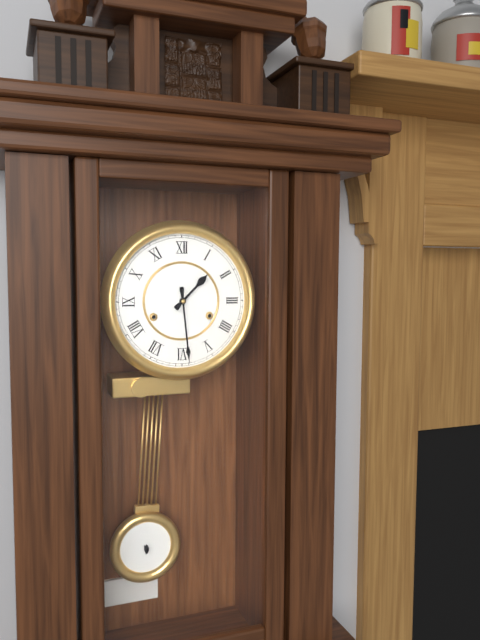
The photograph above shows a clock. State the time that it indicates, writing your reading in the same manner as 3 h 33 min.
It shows 1 h 29 min
